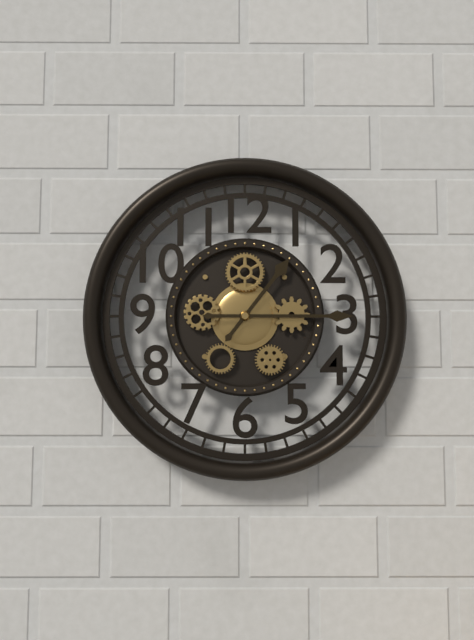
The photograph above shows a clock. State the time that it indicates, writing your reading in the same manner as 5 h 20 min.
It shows 1 h 15 min
